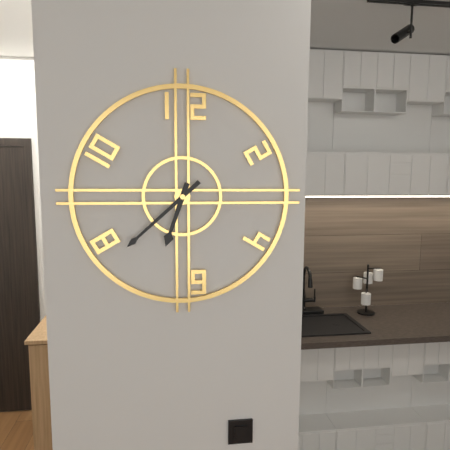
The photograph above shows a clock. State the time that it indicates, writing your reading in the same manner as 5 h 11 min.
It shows 6 h 38 min
